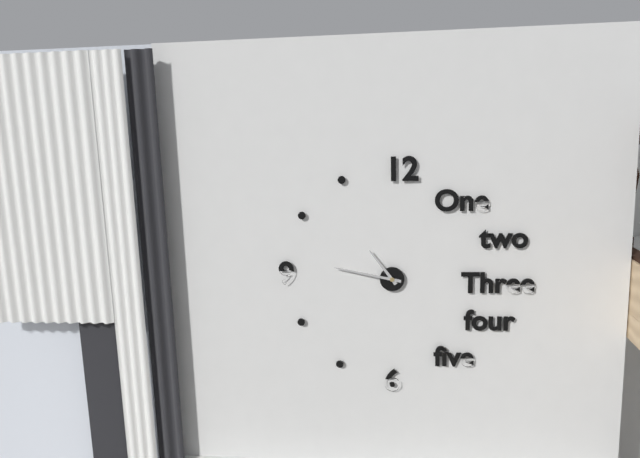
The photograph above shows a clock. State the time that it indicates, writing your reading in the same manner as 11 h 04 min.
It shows 10 h 47 min
